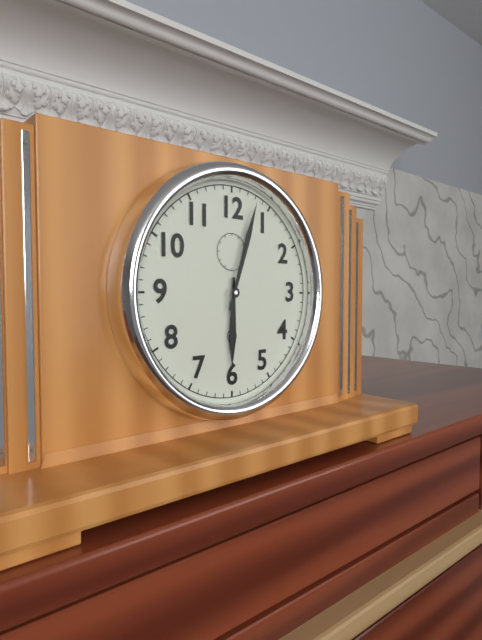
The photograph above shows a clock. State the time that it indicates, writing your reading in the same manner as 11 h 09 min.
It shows 6 h 03 min
